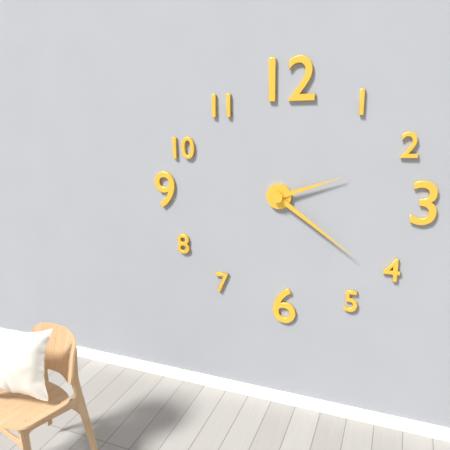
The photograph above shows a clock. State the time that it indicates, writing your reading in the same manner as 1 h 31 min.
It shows 2 h 21 min
